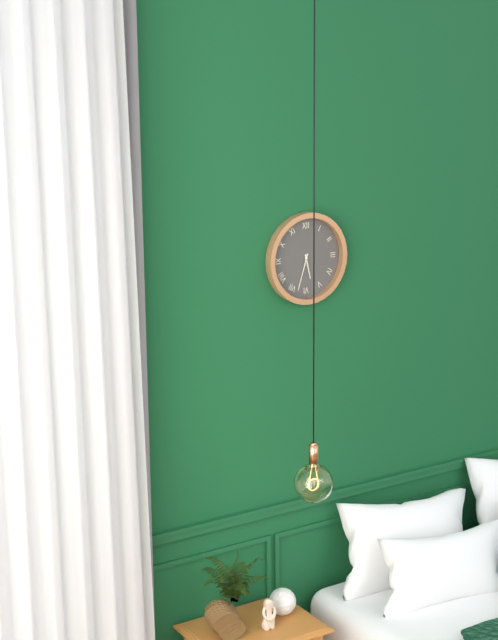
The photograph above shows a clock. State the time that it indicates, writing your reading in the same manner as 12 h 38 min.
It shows 5 h 33 min
